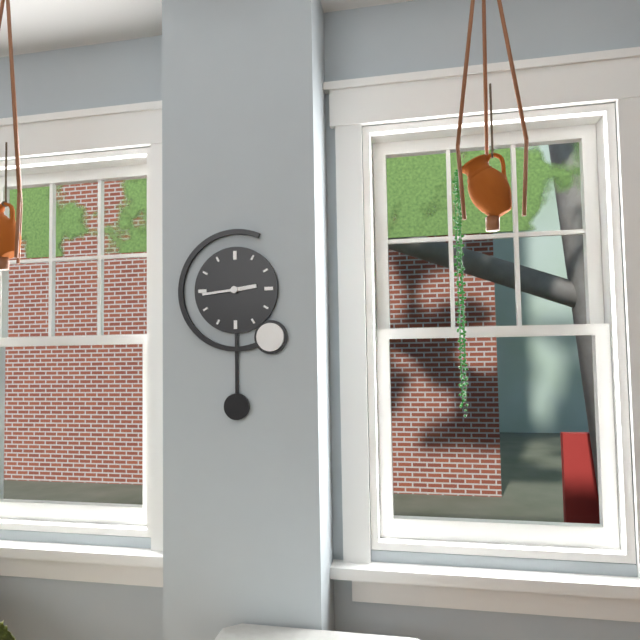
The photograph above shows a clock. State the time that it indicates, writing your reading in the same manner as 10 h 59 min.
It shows 2 h 44 min
